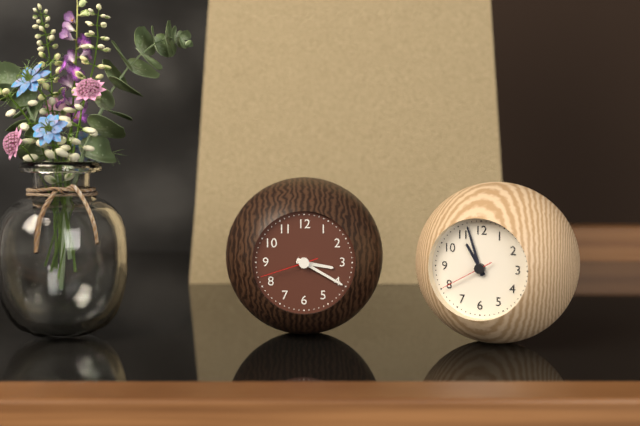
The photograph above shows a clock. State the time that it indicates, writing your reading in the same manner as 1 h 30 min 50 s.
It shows 3 h 20 min 42 s
